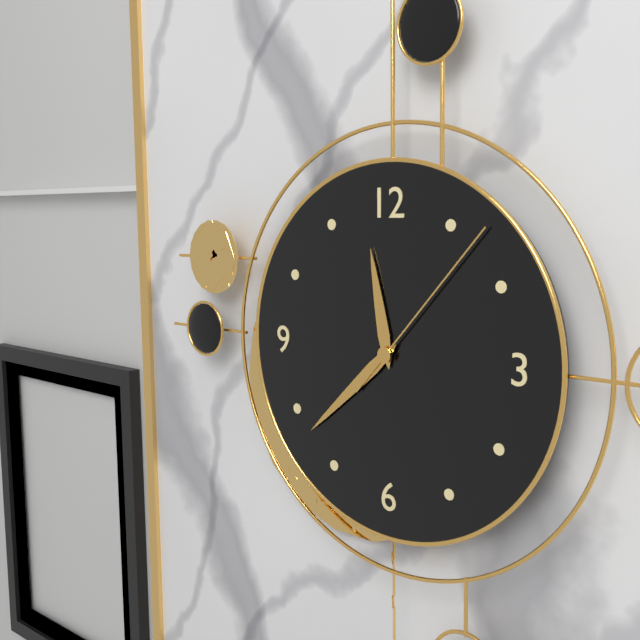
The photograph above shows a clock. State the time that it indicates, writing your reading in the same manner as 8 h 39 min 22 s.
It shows 11 h 38 min 07 s
